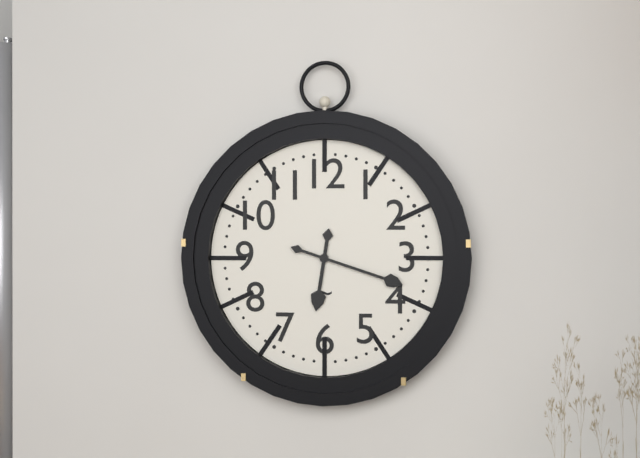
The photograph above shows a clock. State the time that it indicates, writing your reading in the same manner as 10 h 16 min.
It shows 6 h 18 min
